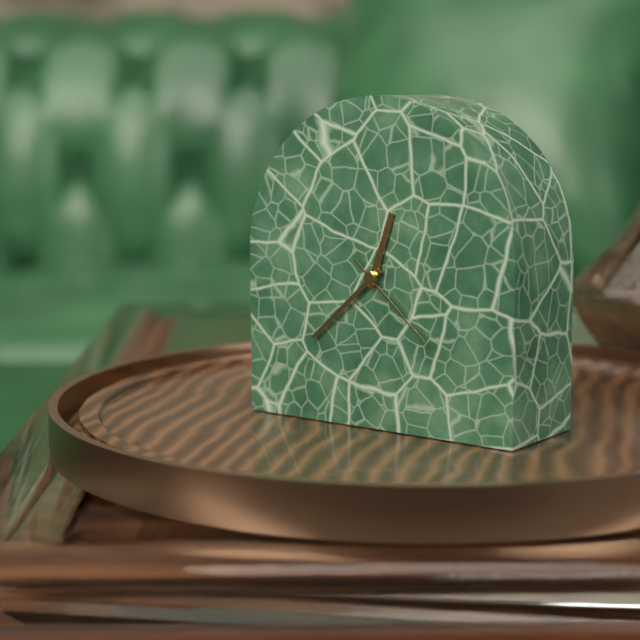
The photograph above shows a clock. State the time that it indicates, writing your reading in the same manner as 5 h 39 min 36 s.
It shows 12 h 38 min 22 s
